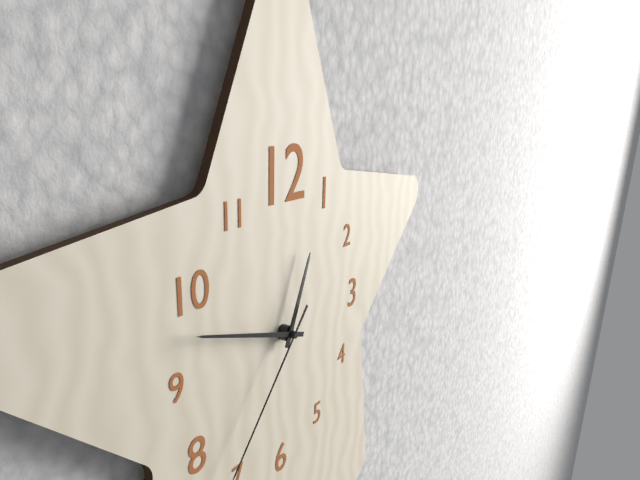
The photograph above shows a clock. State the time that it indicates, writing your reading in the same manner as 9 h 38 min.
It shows 12 h 48 min
